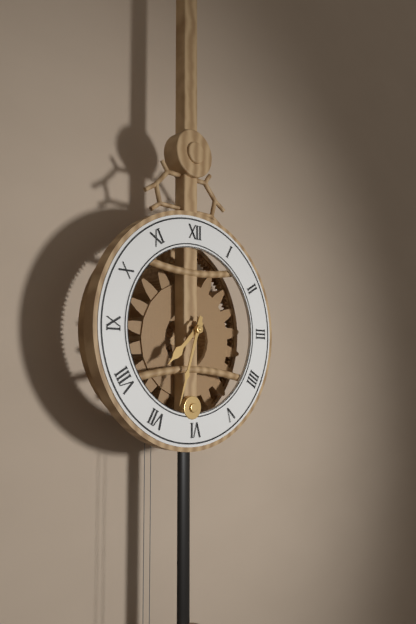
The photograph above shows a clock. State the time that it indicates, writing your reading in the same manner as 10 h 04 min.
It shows 7 h 33 min
